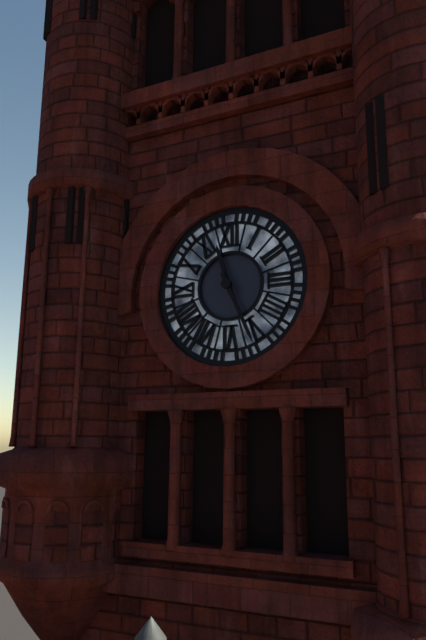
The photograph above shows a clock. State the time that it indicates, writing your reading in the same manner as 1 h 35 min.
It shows 11 h 26 min
